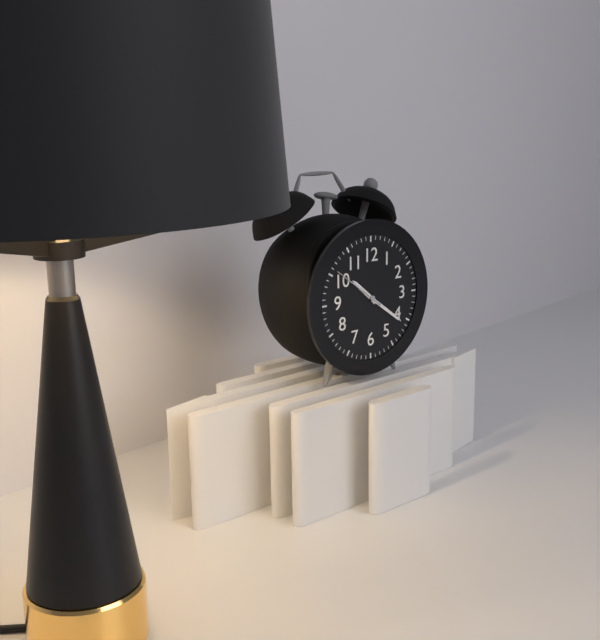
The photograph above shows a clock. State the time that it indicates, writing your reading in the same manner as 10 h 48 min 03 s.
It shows 10 h 21 min 51 s
